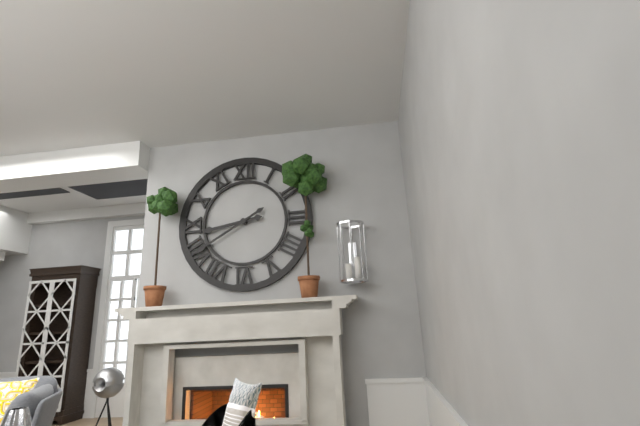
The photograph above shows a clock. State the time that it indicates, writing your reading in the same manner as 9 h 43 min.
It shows 8 h 40 min
